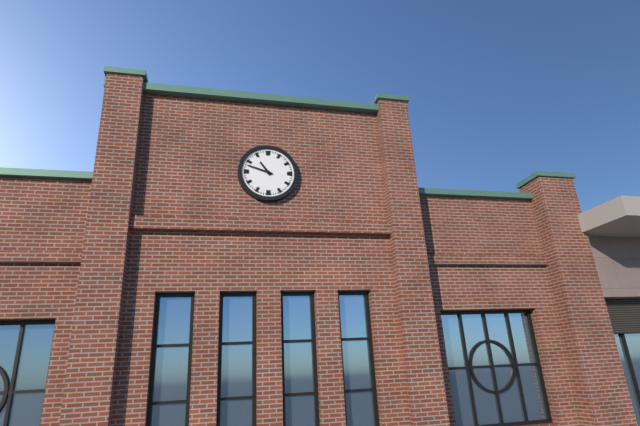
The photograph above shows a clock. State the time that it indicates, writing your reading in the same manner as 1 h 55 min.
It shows 10 h 48 min
